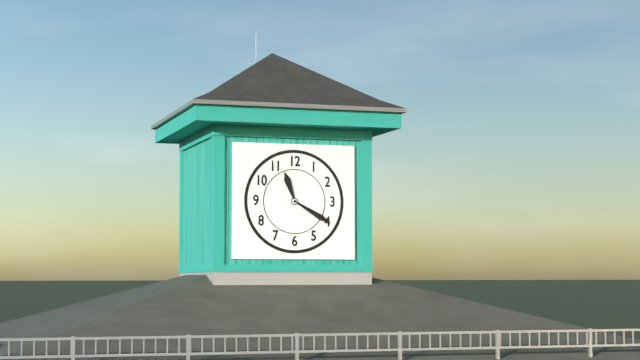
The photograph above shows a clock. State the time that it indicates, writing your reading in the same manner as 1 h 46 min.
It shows 11 h 20 min
